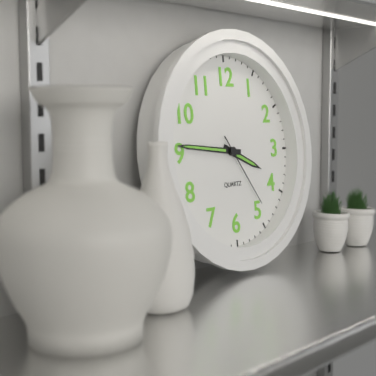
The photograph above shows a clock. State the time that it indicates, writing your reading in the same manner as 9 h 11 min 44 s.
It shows 3 h 46 min 24 s
